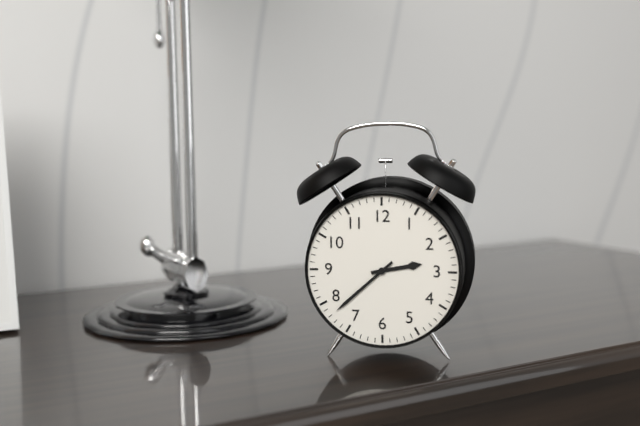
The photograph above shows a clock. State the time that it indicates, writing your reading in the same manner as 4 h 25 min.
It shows 2 h 38 min
